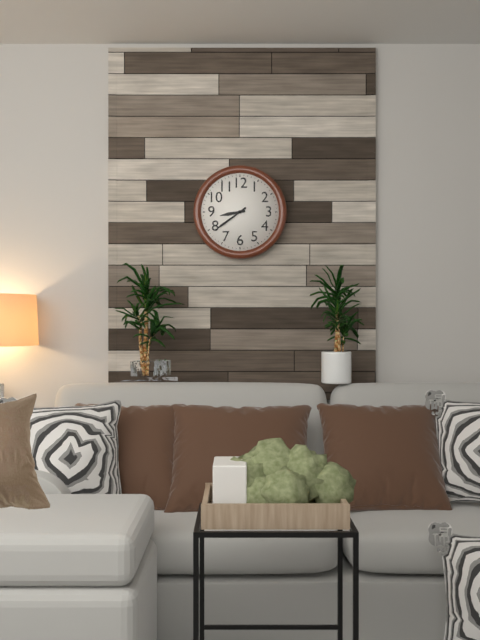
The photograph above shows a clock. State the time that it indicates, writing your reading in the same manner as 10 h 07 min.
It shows 8 h 39 min
